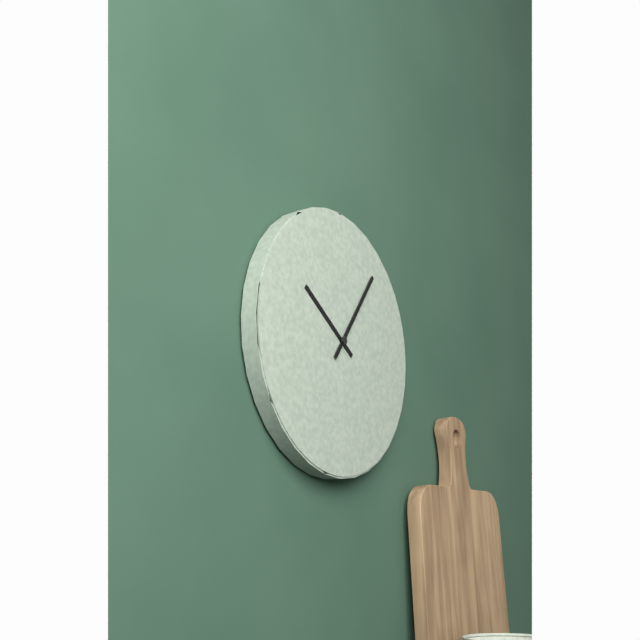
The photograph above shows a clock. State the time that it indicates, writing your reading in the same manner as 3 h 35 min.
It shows 10 h 06 min
